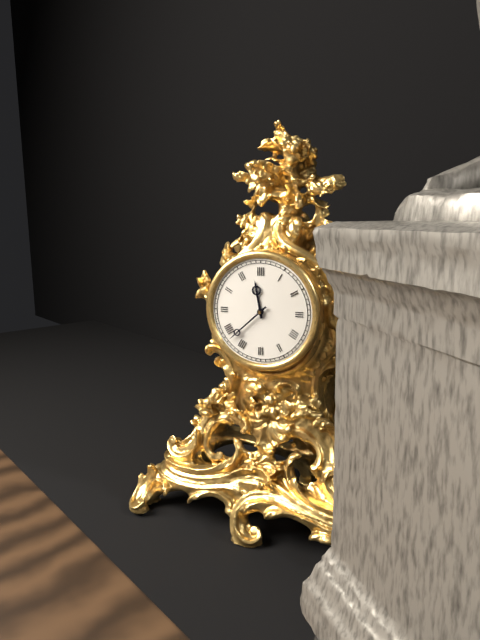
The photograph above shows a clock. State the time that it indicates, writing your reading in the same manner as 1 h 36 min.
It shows 11 h 38 min
